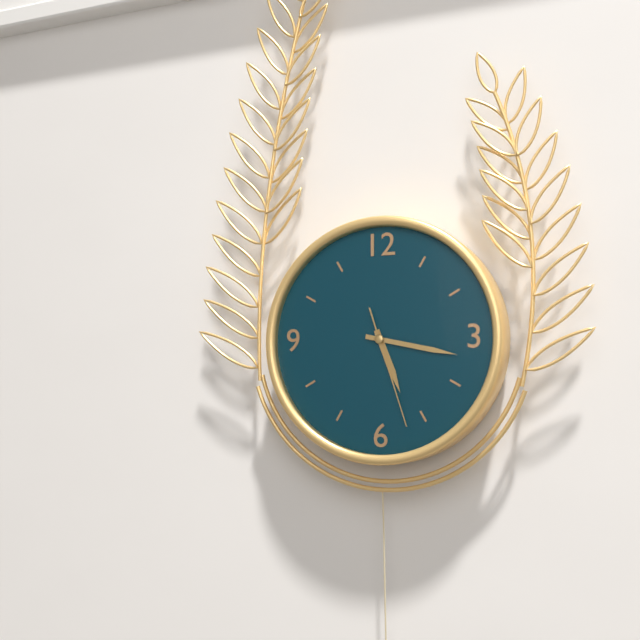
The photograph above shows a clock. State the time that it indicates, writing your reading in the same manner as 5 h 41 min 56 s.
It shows 5 h 17 min 27 s
